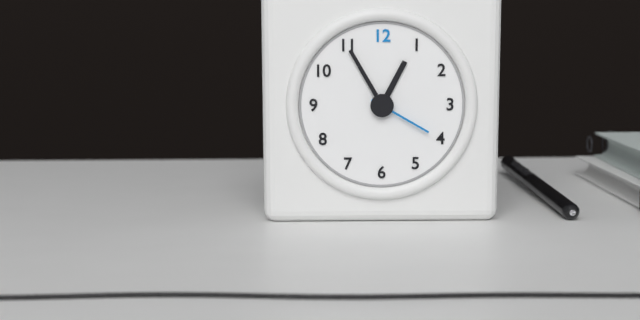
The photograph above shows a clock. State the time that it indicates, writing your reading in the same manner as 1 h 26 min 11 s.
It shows 12 h 55 min 20 s
